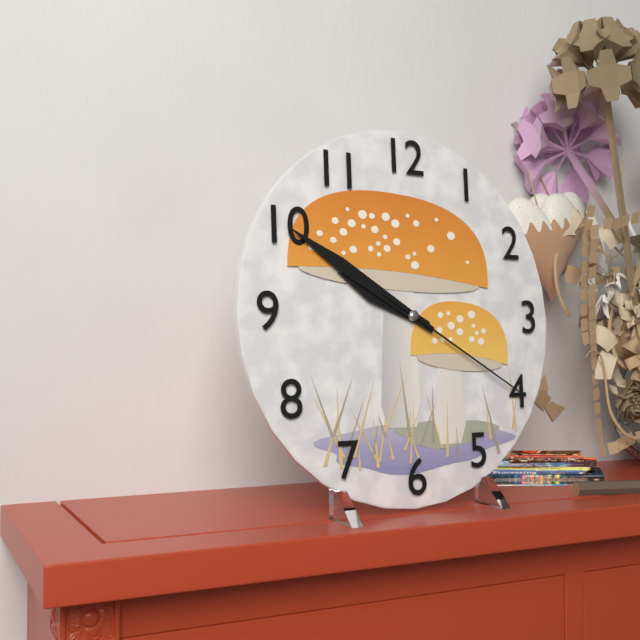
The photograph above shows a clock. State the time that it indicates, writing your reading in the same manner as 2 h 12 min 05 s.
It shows 9 h 50 min 20 s
